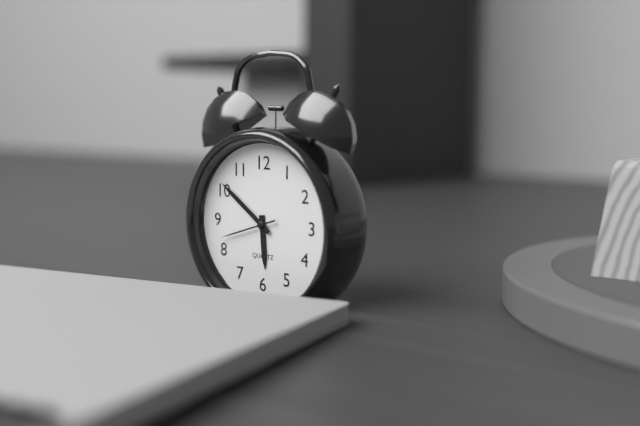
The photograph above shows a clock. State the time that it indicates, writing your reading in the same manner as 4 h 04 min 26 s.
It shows 5 h 51 min 42 s
